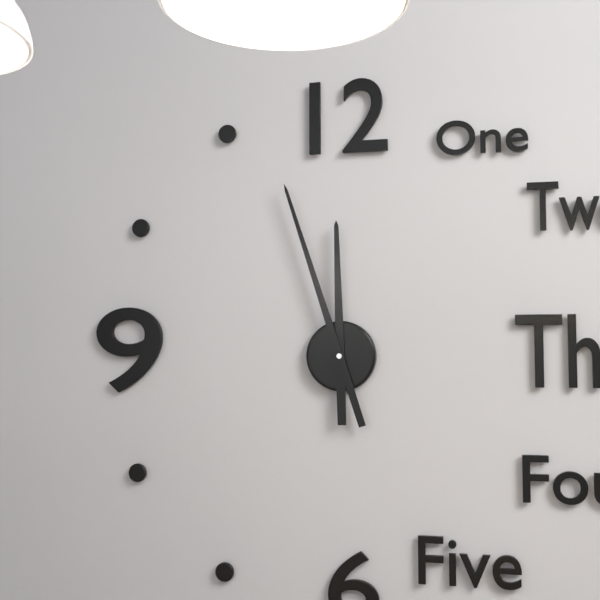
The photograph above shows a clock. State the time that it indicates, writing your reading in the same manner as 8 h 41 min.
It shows 11 h 57 min
